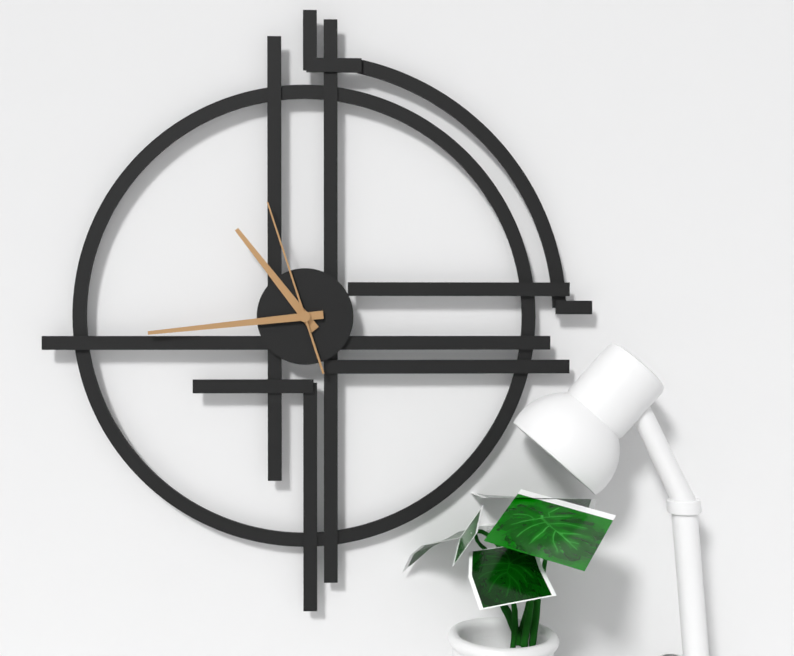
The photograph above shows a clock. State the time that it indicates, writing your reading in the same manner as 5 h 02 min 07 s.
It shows 10 h 44 min 57 s
